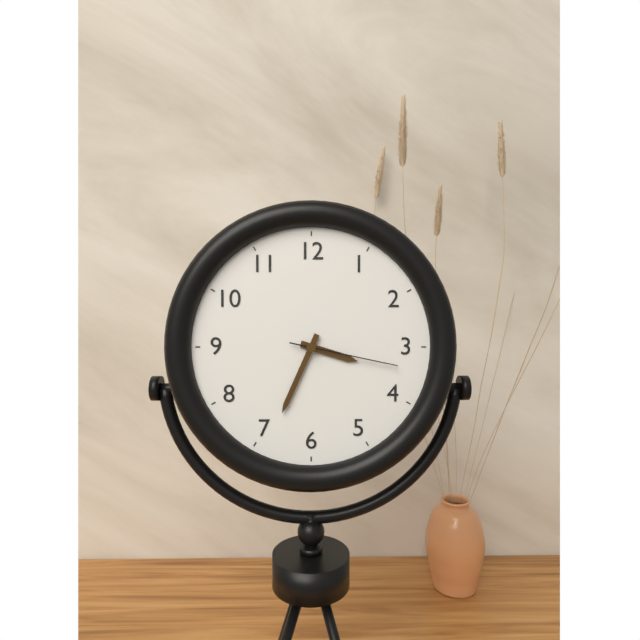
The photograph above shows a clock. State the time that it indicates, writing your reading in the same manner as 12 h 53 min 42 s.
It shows 3 h 34 min 17 s
